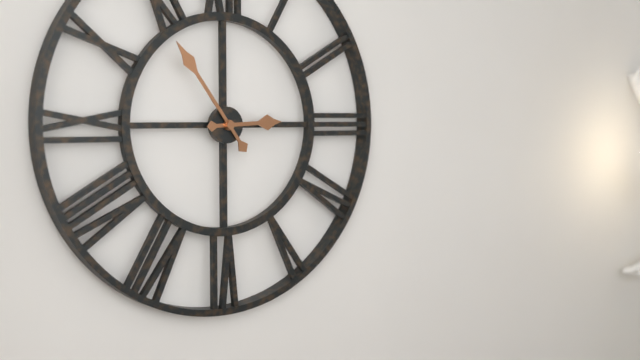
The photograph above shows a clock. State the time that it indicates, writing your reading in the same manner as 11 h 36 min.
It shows 2 h 54 min
